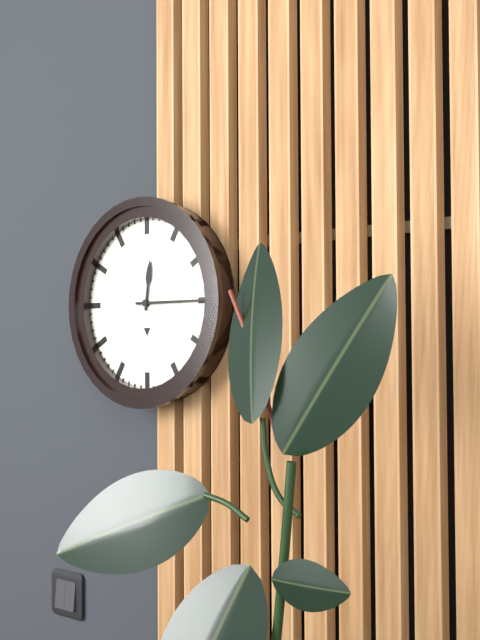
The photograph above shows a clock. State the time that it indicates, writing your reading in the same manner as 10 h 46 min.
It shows 12 h 15 min
